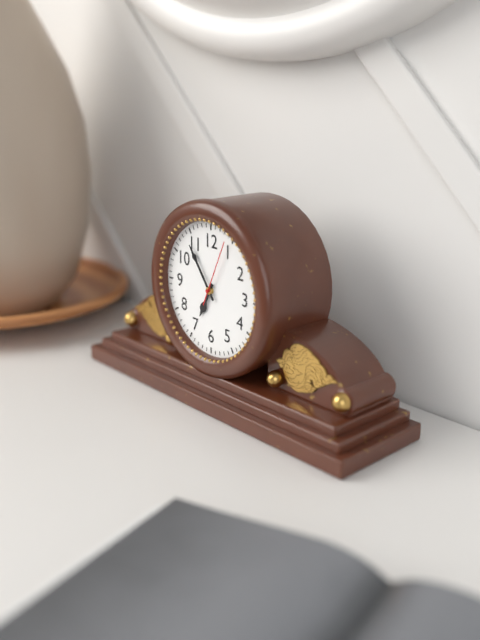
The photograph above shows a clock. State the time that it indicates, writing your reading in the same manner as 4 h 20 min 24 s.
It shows 6 h 54 min 04 s
